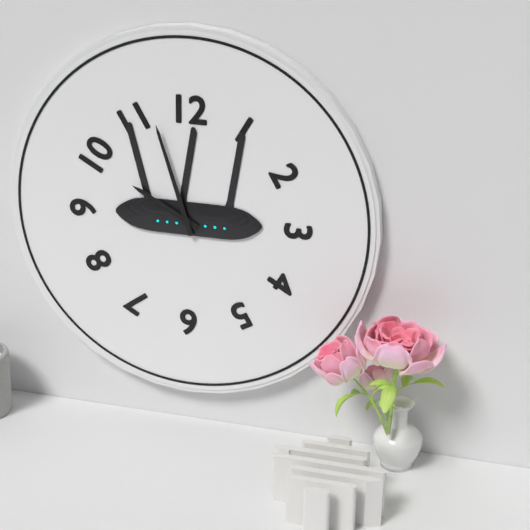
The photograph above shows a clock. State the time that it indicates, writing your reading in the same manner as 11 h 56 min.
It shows 9 h 57 min
